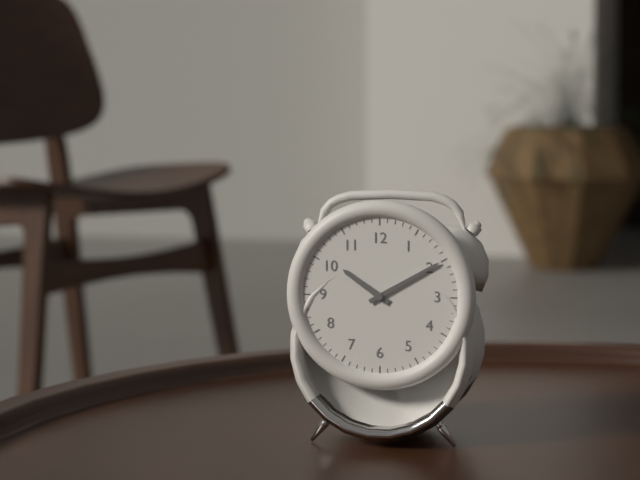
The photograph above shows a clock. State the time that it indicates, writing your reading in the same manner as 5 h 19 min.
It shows 10 h 10 min
